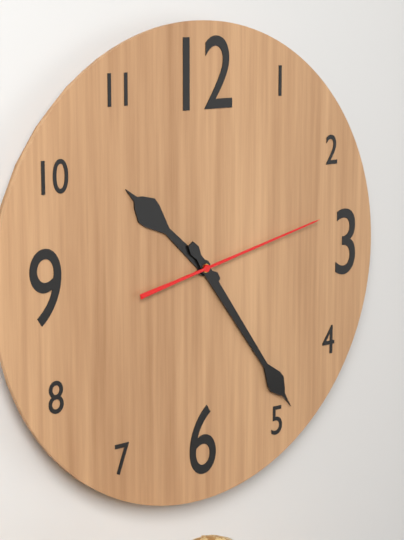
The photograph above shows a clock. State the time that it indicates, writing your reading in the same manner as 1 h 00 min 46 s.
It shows 10 h 24 min 13 s
